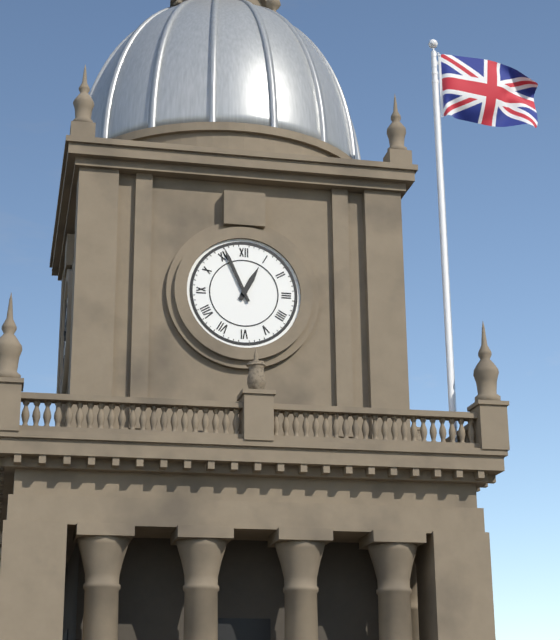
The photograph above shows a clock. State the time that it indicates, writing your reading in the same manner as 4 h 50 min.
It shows 12 h 56 min
